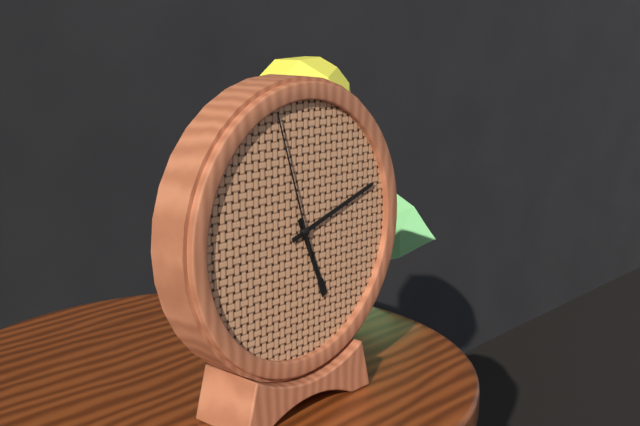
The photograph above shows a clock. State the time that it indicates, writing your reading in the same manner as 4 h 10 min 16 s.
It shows 5 h 12 min 57 s
